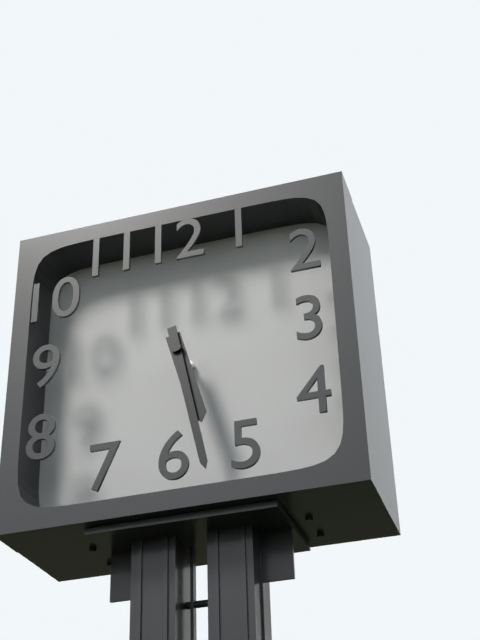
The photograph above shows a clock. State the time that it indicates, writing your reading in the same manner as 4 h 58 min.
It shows 5 h 28 min
